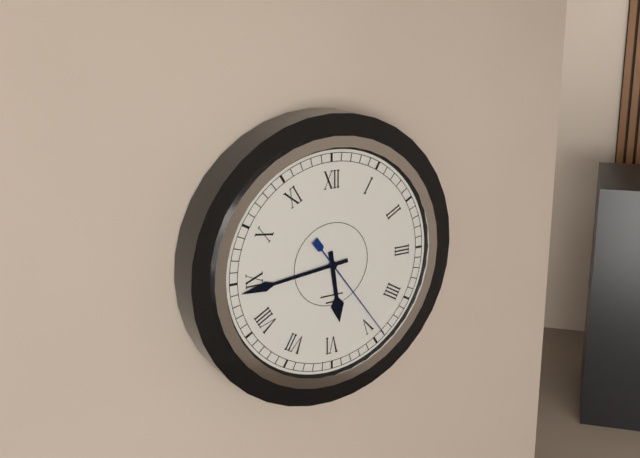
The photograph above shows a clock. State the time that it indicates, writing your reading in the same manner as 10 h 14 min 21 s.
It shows 5 h 44 min 24 s
